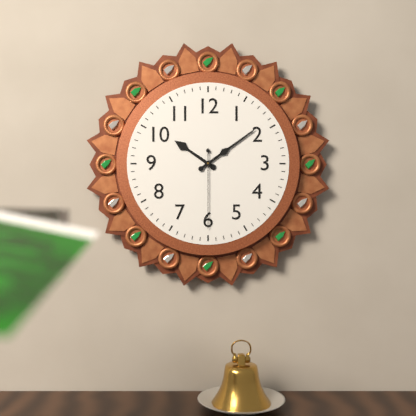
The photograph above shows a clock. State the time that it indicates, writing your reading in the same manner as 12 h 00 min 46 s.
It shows 10 h 09 min 30 s
